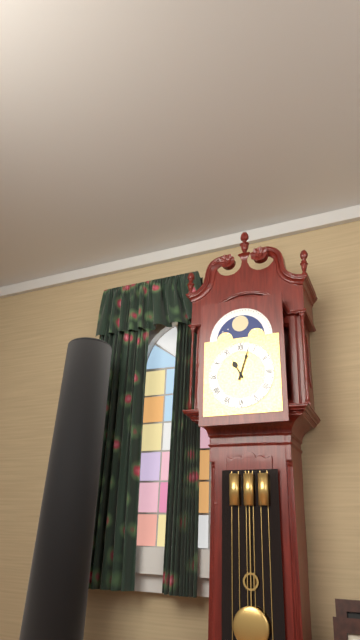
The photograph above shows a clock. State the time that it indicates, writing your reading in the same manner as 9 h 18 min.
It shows 11 h 03 min
